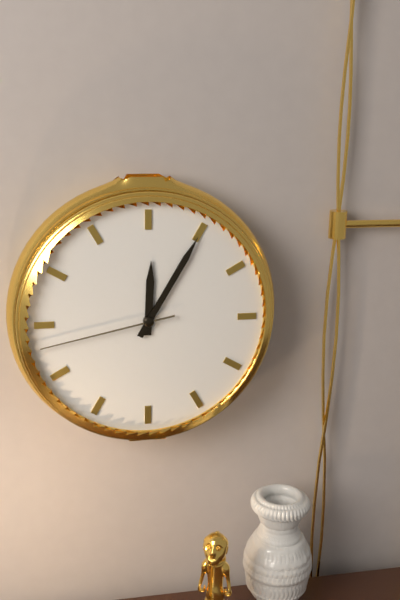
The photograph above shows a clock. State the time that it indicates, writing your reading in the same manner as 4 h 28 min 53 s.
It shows 12 h 05 min 43 s
